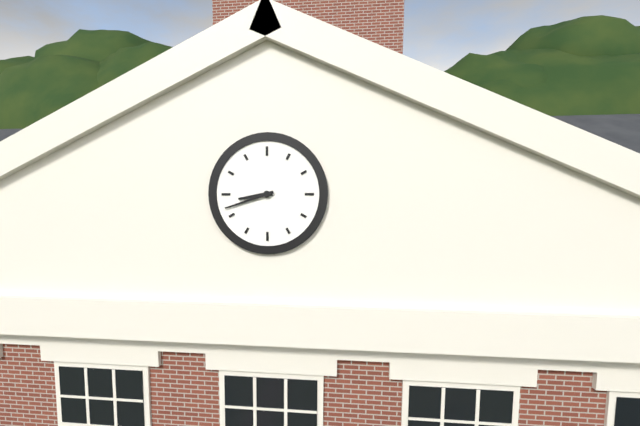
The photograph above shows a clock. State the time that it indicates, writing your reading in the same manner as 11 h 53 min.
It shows 8 h 42 min
